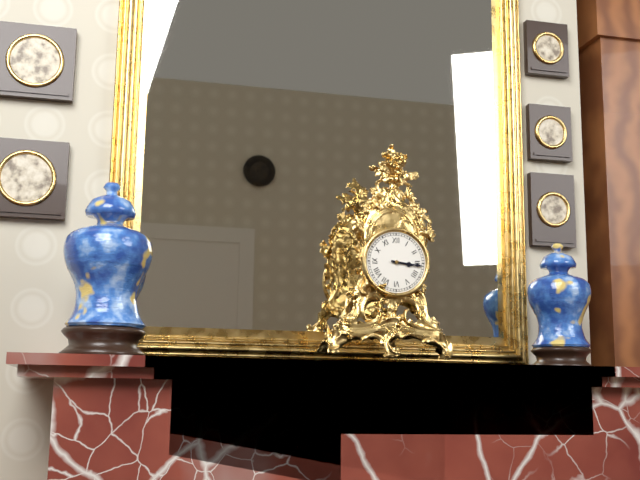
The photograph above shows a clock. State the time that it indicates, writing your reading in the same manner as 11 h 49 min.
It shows 3 h 16 min
